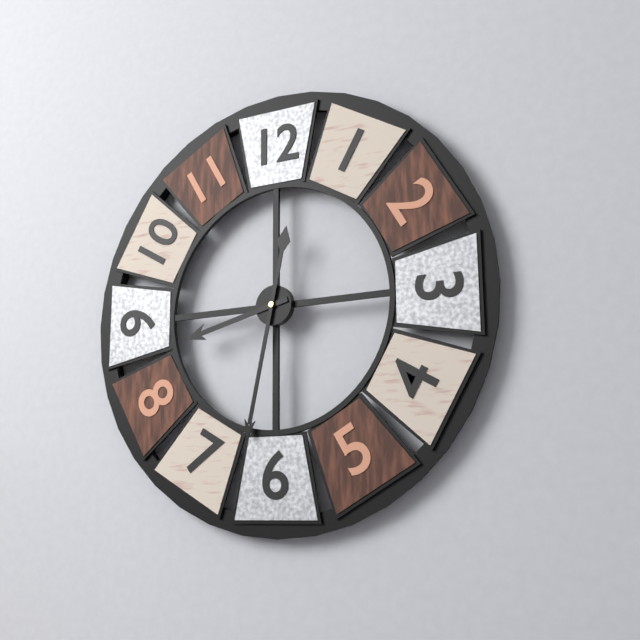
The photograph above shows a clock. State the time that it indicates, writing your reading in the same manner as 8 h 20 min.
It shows 8 h 32 min
